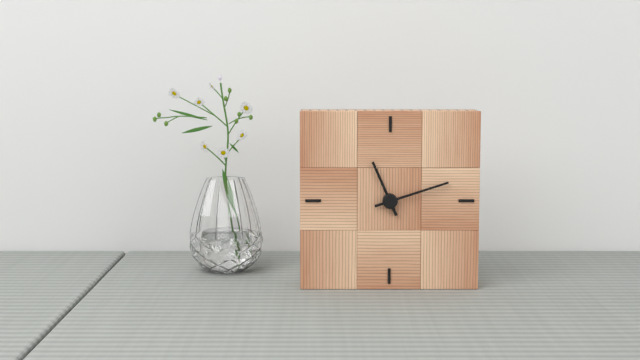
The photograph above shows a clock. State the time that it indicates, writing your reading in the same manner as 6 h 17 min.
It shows 11 h 12 min
